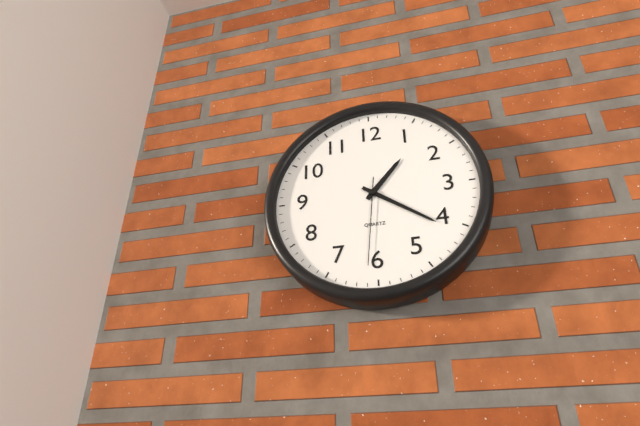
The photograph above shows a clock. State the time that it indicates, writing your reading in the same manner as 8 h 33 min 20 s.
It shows 1 h 21 min 31 s
